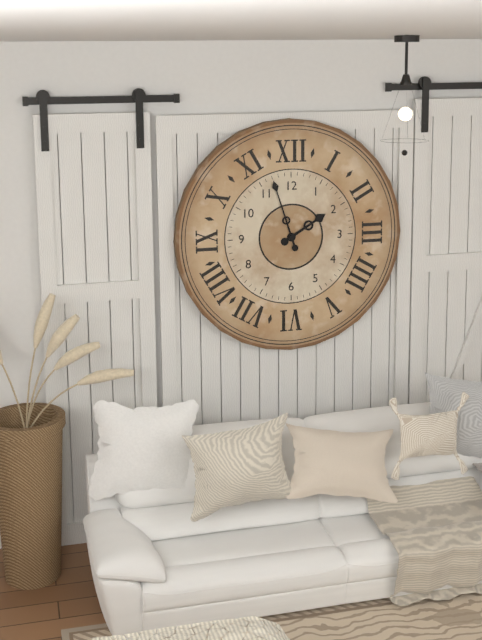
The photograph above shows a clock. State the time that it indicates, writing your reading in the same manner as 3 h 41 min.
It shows 1 h 57 min
